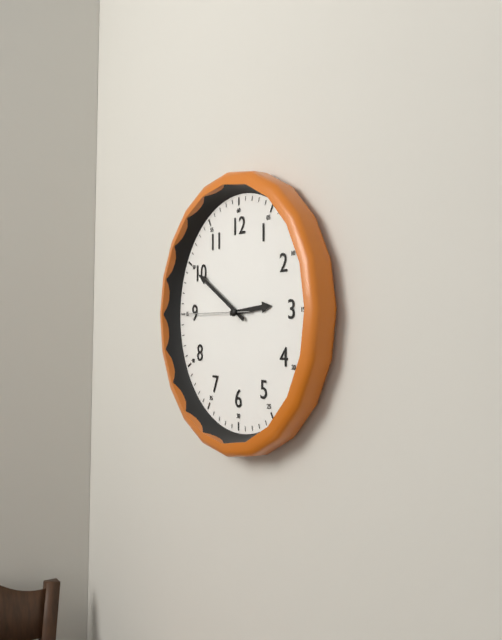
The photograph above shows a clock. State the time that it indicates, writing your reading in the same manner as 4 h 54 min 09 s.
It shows 2 h 50 min 45 s
